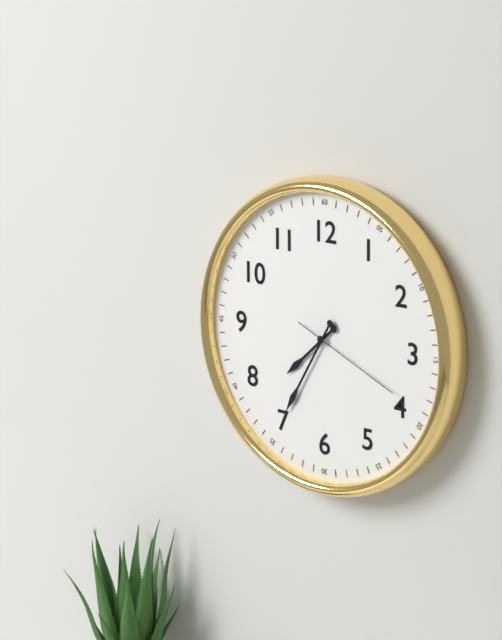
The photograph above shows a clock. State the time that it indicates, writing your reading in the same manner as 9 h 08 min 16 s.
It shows 7 h 35 min 19 s
